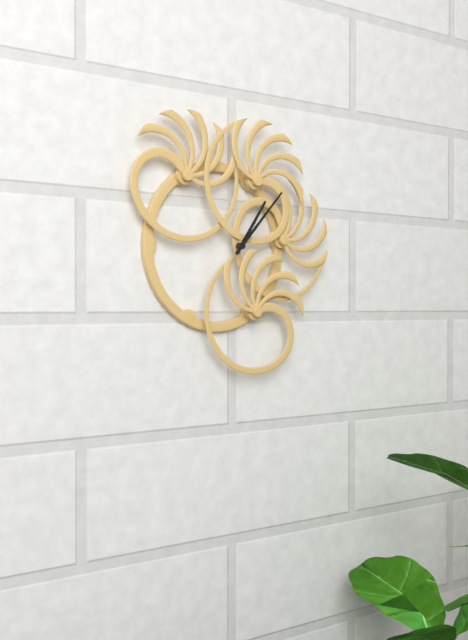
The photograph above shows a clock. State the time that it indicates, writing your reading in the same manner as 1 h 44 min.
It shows 1 h 07 min
